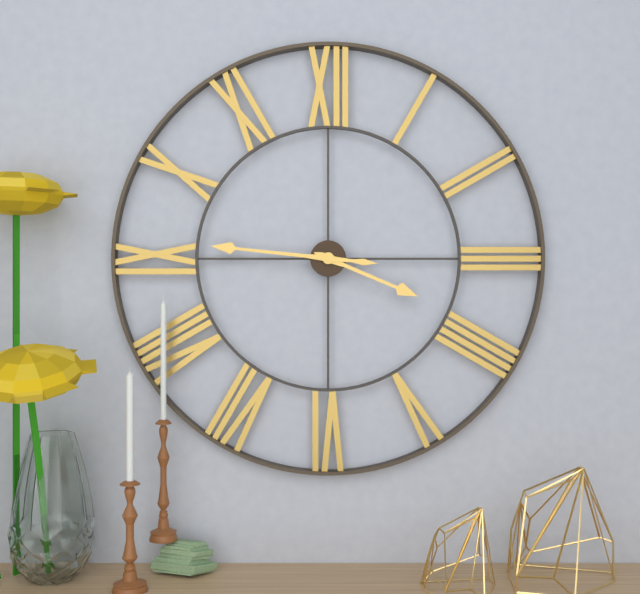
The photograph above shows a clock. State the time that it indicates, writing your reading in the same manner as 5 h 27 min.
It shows 3 h 46 min
